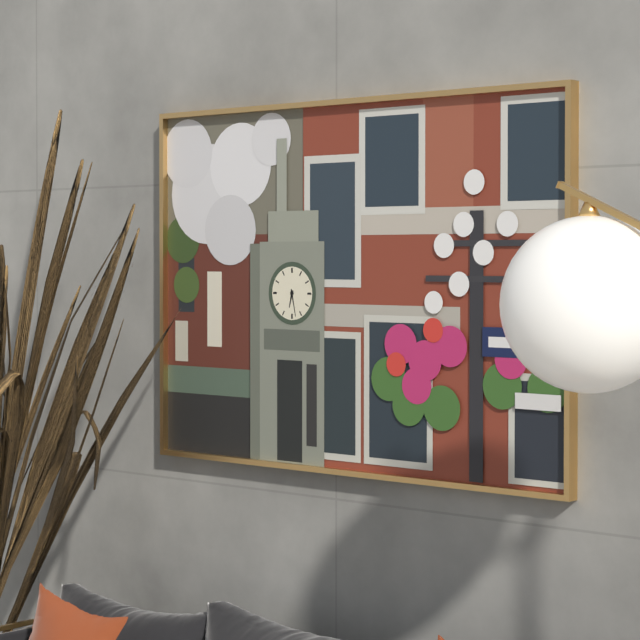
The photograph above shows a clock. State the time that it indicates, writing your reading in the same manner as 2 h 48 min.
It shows 6 h 28 min
